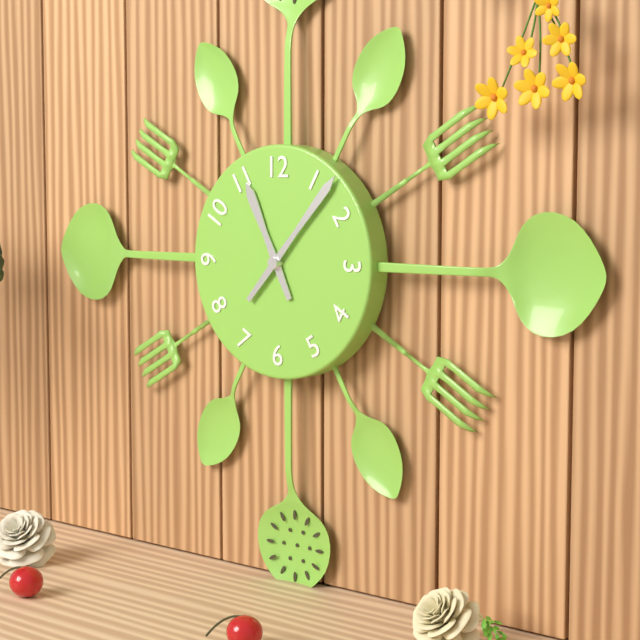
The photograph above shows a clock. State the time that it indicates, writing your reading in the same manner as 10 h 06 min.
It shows 11 h 07 min
